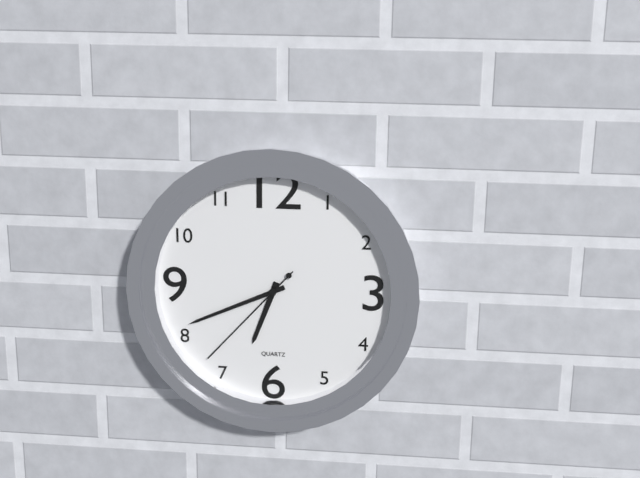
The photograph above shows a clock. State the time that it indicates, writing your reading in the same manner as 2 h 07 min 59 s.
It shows 6 h 41 min 37 s
